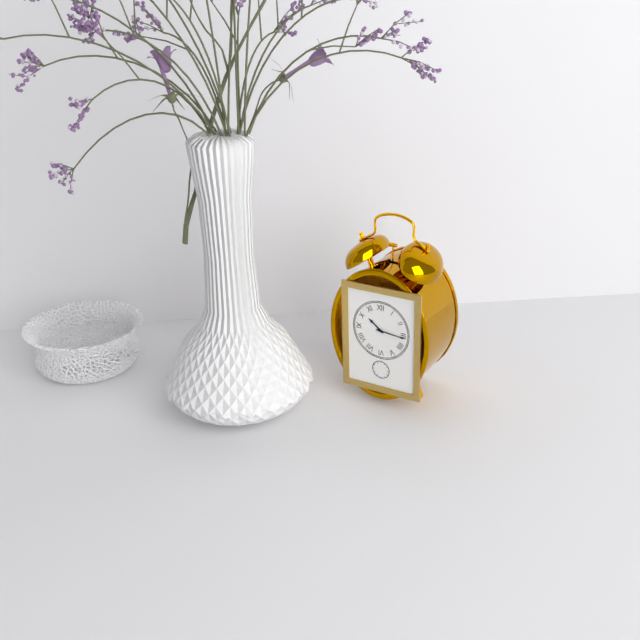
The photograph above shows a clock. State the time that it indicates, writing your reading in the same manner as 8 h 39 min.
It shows 10 h 16 min
